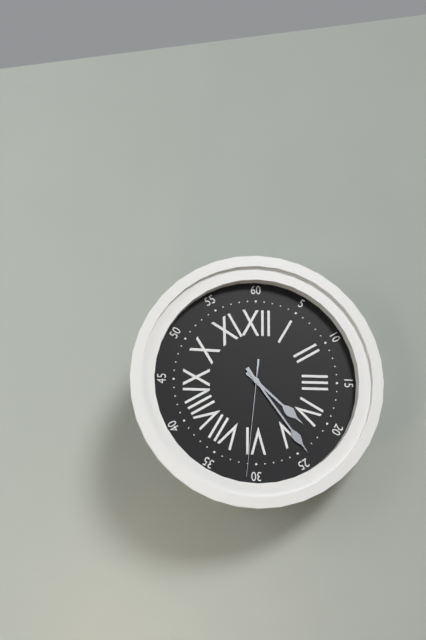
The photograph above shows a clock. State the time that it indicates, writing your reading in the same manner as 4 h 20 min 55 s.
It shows 4 h 24 min 31 s
